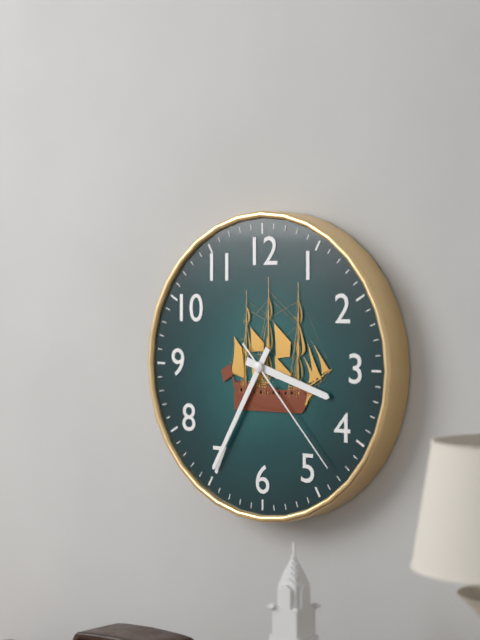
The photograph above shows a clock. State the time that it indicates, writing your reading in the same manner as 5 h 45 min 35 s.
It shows 3 h 35 min 23 s
